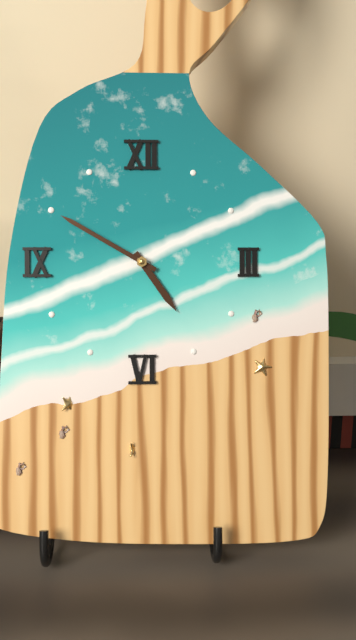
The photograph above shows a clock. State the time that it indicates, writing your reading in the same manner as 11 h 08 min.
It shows 4 h 50 min
